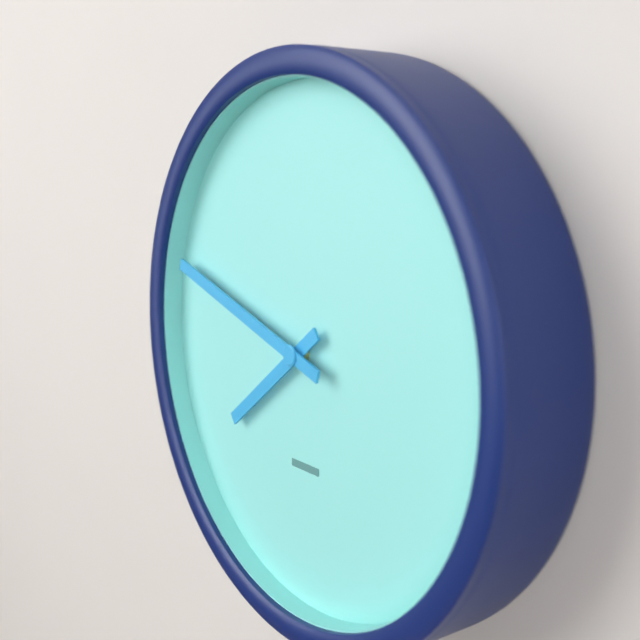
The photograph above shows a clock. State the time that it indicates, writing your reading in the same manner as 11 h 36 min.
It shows 7 h 48 min
